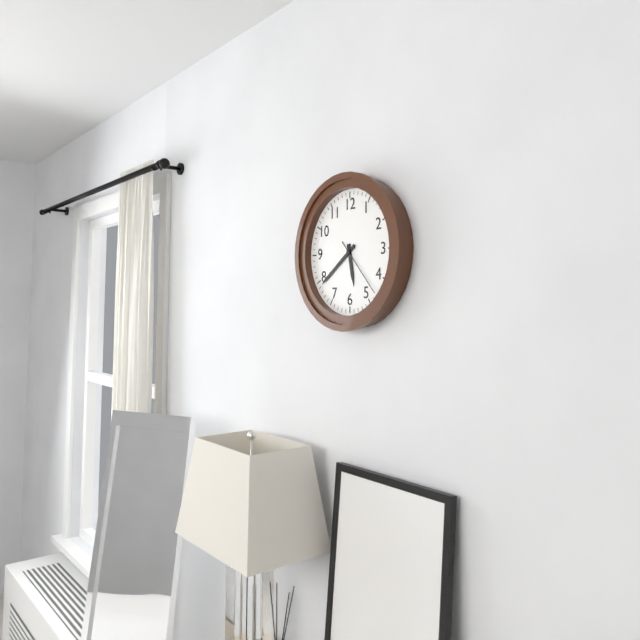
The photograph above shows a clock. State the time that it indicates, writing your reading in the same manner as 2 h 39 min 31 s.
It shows 5 h 39 min 23 s
